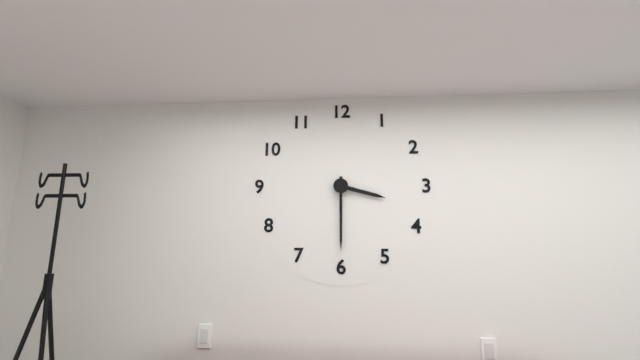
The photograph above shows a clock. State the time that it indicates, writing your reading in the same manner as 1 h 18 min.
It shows 3 h 30 min
